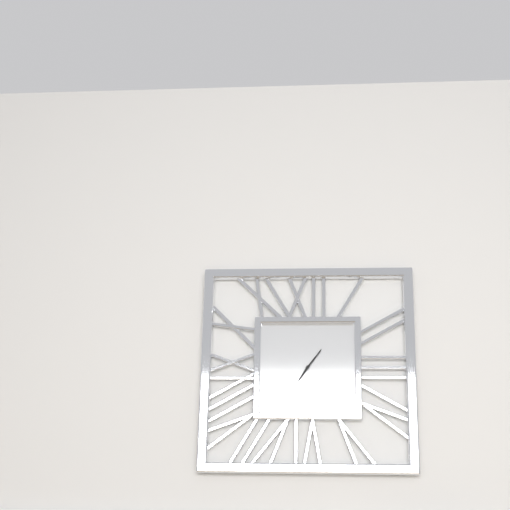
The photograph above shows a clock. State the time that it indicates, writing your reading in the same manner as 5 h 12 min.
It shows 7 h 06 min
